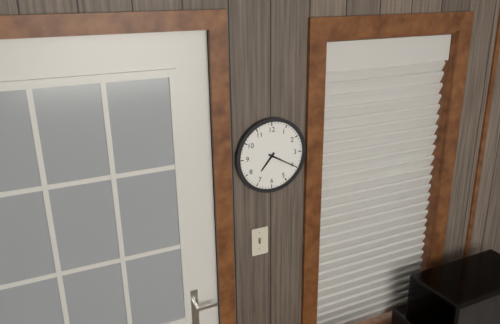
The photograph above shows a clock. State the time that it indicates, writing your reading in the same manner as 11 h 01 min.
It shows 7 h 20 min
